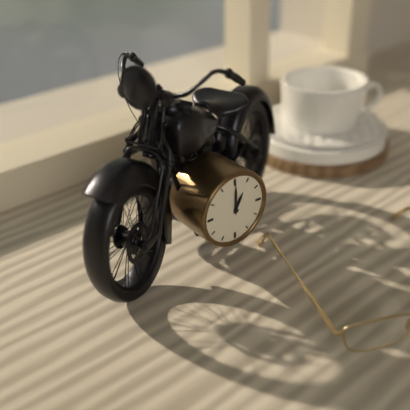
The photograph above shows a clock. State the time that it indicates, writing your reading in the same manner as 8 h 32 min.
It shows 1 h 00 min
